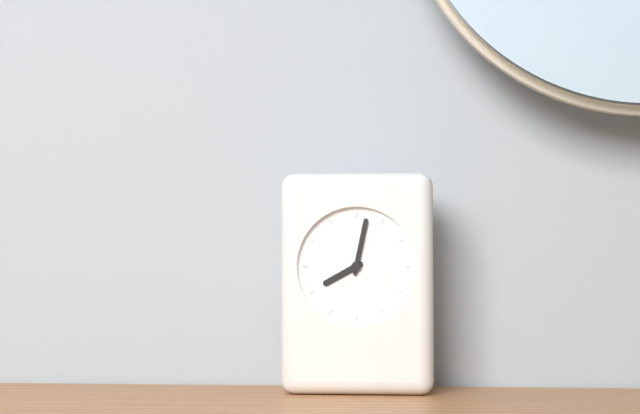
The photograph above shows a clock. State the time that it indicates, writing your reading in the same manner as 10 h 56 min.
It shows 8 h 02 min
